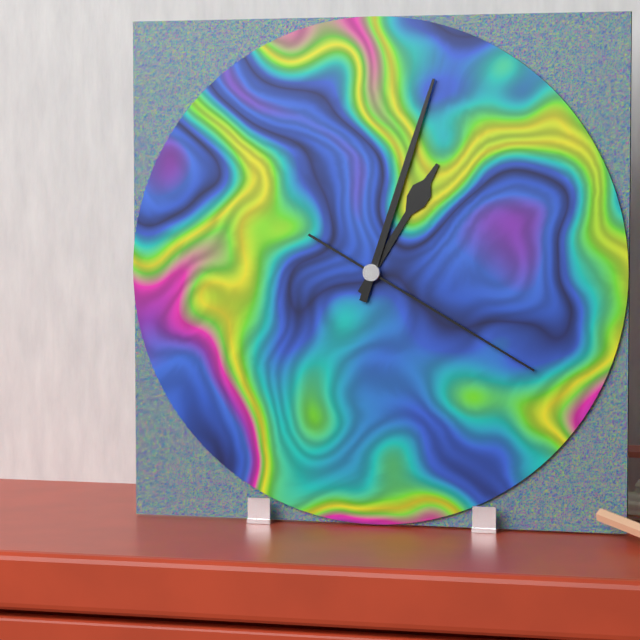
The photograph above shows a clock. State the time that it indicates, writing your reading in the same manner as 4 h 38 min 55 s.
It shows 1 h 03 min 20 s
